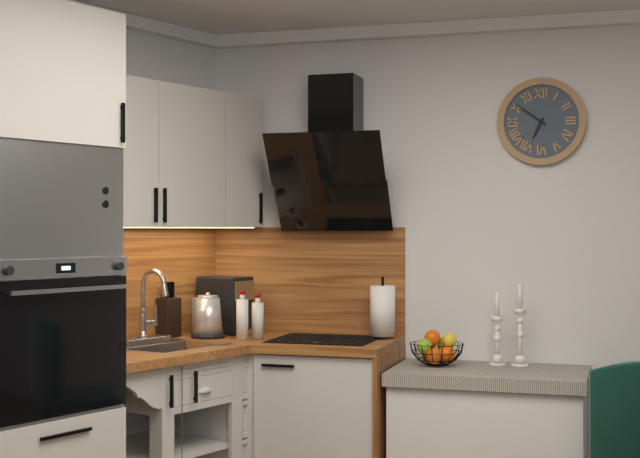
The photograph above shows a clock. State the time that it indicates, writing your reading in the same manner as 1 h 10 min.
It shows 6 h 51 min
